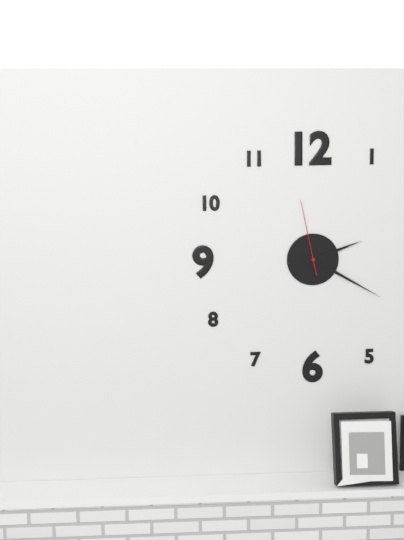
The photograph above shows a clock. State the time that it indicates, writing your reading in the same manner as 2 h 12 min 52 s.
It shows 2 h 20 min 58 s
